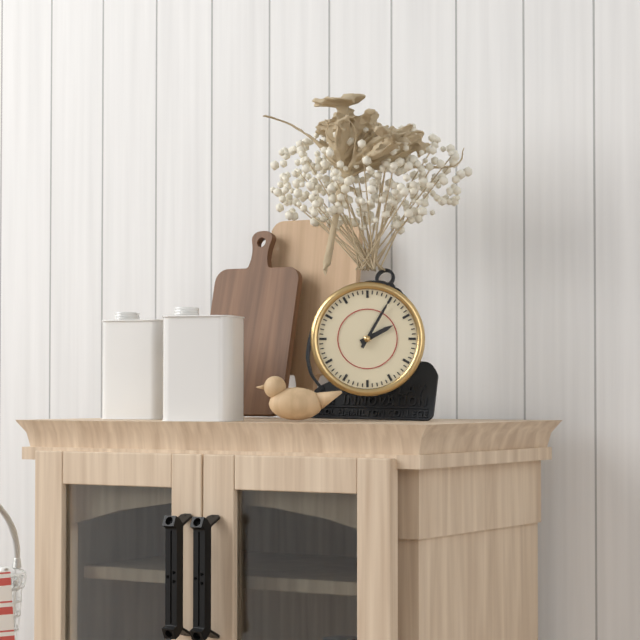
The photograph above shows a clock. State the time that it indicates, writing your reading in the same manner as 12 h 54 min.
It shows 2 h 05 min
